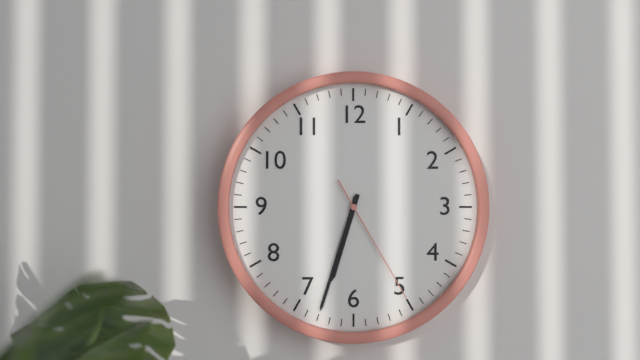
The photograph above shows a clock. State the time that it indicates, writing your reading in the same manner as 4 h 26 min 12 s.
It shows 6 h 33 min 25 s
